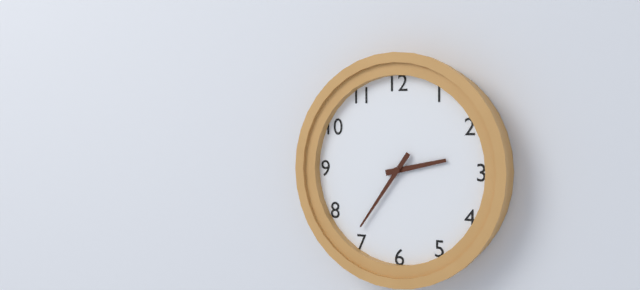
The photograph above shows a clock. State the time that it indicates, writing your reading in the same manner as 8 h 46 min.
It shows 2 h 36 min
